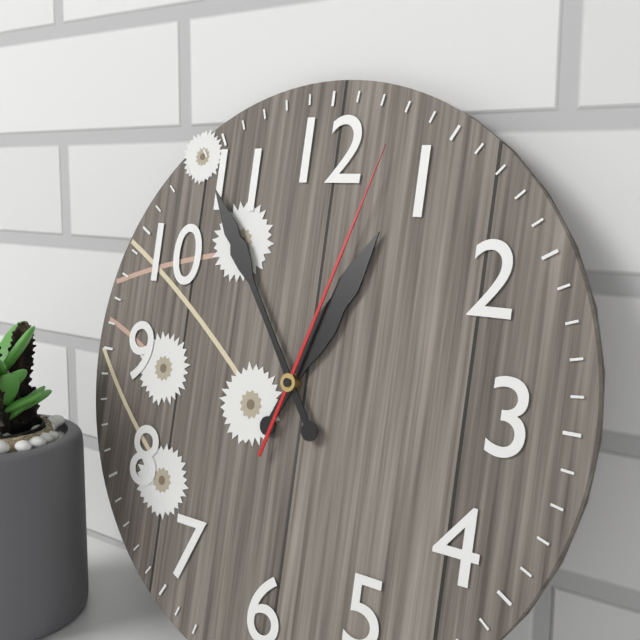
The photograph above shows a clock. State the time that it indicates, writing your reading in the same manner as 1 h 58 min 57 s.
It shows 12 h 54 min 03 s
